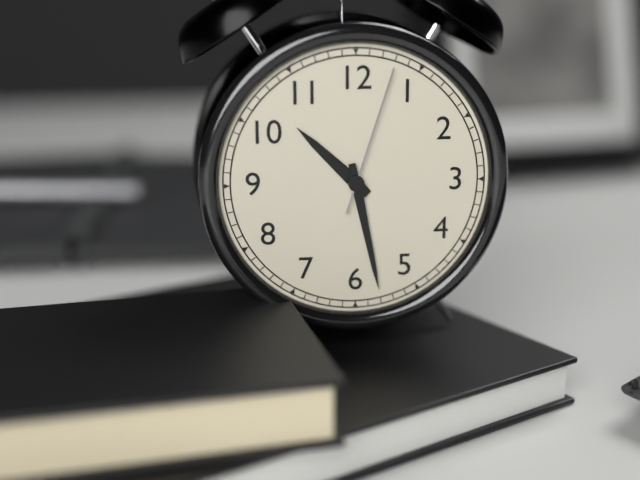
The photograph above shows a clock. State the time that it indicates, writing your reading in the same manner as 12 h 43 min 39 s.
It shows 10 h 28 min 03 s
